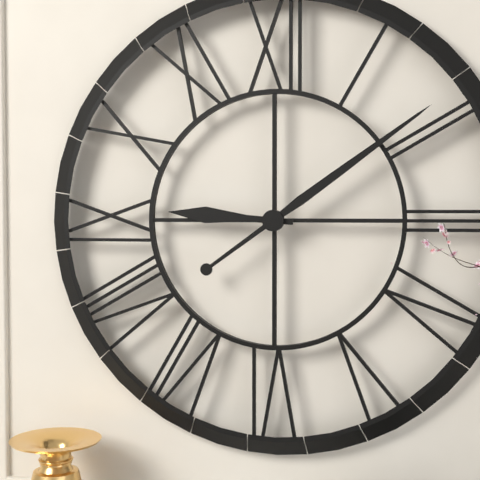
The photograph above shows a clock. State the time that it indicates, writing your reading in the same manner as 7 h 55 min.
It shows 9 h 09 min
